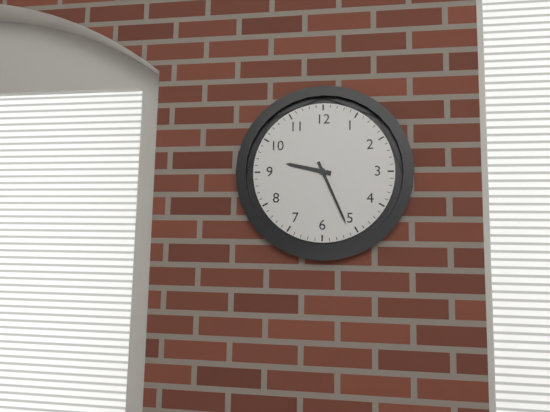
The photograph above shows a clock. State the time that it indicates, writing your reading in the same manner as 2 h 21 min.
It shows 9 h 26 min
